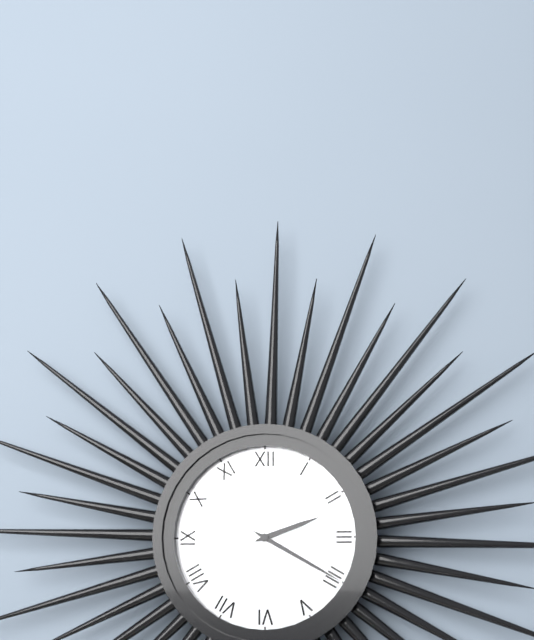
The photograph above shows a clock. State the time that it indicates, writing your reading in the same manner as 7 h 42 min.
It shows 2 h 20 min
